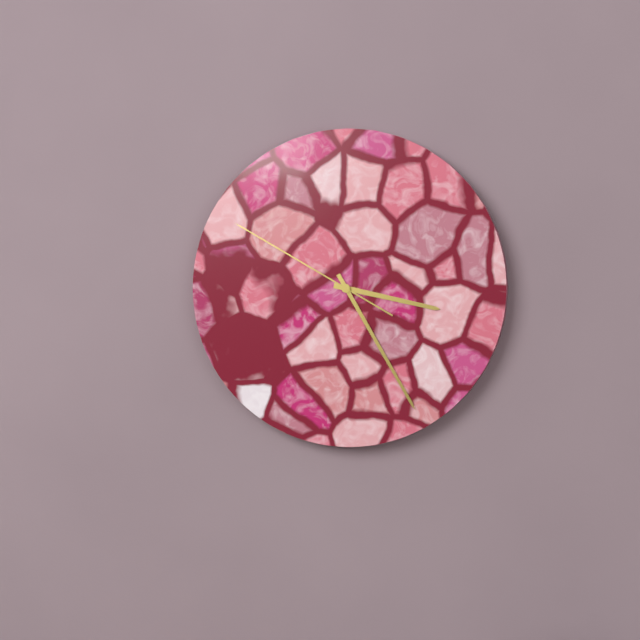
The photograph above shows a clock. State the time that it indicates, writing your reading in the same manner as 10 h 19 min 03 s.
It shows 3 h 25 min 50 s
